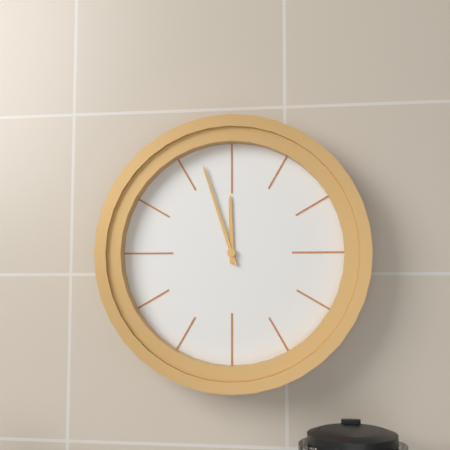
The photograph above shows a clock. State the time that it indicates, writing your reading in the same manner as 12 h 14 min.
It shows 11 h 57 min
